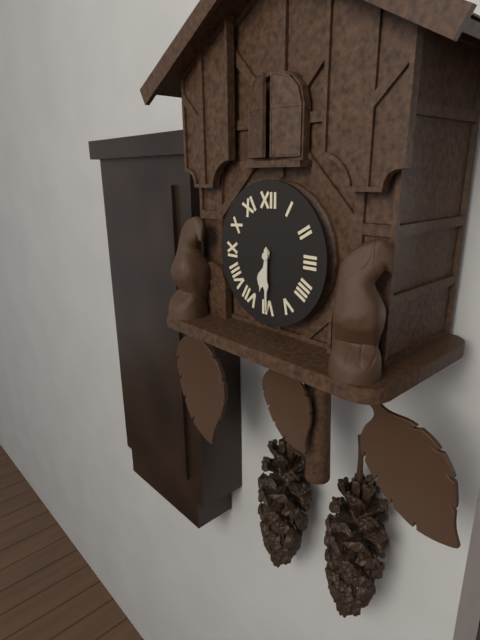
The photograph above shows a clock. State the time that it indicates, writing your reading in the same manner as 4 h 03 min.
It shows 6 h 30 min
